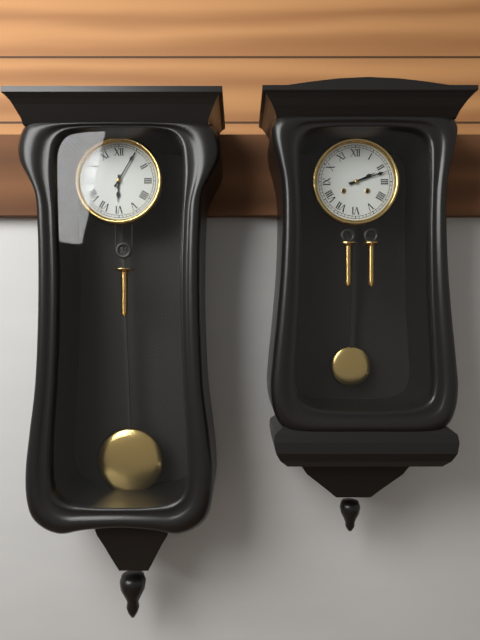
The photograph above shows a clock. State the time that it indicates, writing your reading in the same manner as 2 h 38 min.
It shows 6 h 05 min
